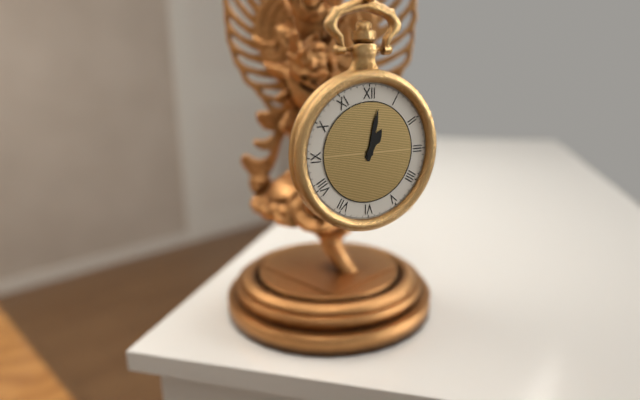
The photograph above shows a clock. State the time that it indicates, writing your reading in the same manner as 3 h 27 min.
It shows 1 h 02 min
